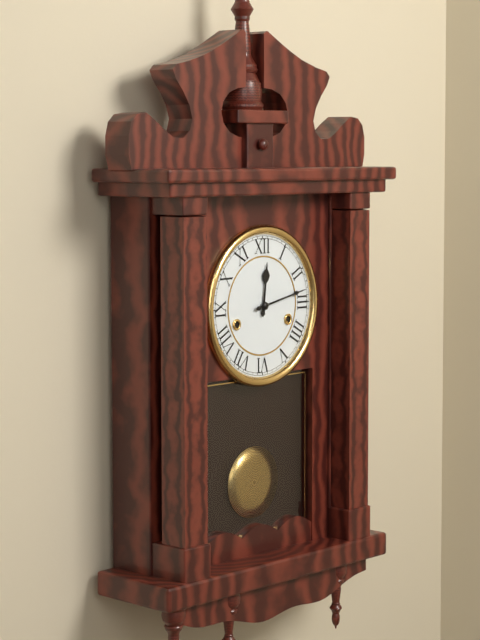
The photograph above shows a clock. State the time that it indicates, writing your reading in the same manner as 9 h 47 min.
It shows 12 h 13 min
